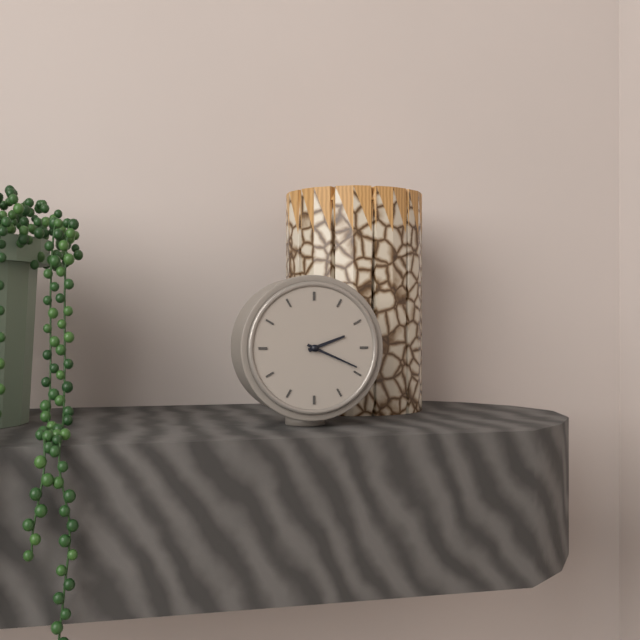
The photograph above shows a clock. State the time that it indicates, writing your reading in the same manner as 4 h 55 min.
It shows 2 h 19 min
